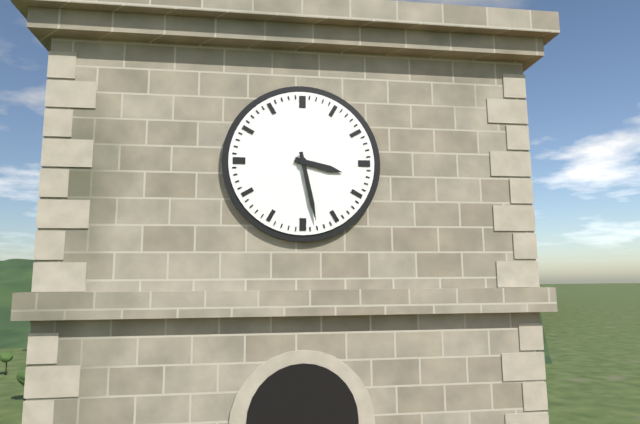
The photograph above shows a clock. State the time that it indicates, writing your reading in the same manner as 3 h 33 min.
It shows 3 h 28 min
